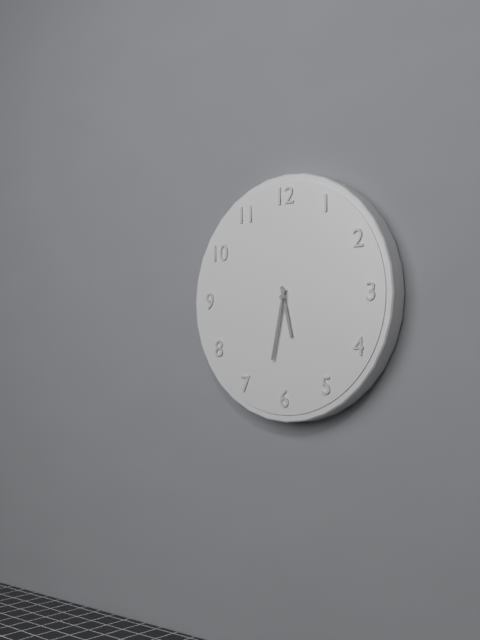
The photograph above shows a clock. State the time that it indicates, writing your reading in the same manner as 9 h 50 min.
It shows 5 h 32 min
